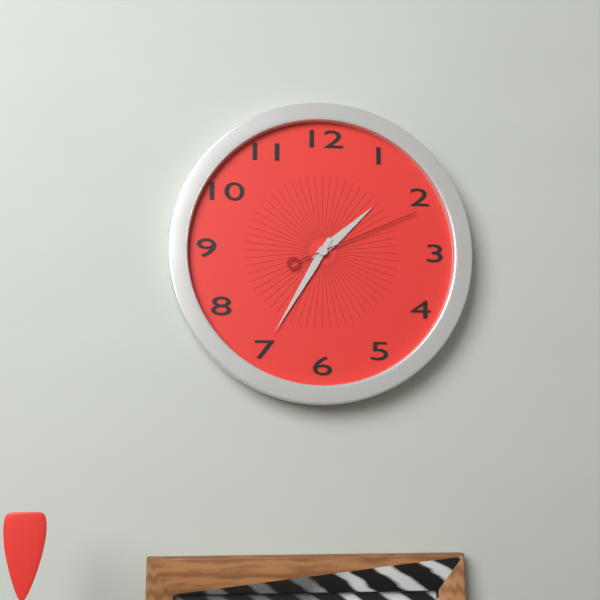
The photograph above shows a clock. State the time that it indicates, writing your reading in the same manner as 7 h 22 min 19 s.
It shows 1 h 35 min 11 s
